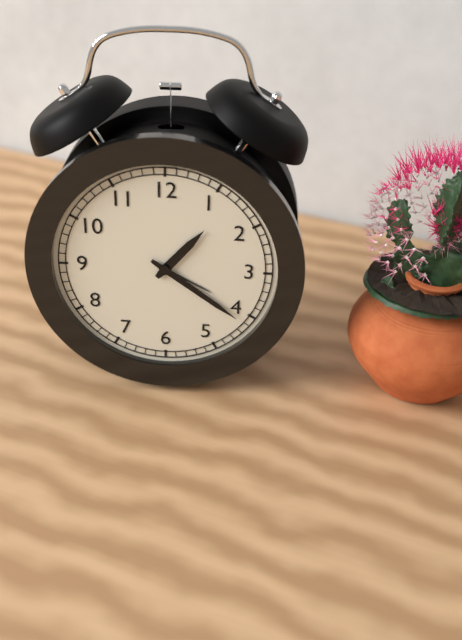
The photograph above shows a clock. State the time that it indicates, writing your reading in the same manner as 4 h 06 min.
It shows 1 h 21 min
